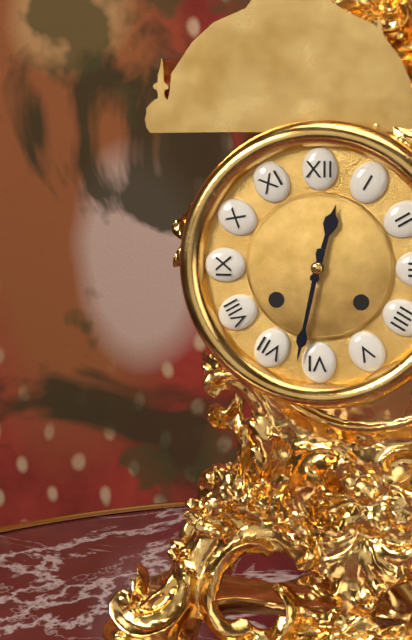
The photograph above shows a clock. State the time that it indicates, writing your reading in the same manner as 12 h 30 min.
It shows 12 h 32 min
